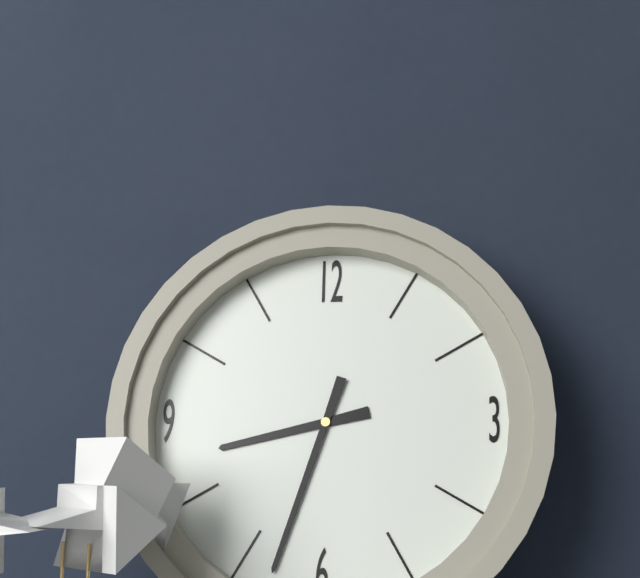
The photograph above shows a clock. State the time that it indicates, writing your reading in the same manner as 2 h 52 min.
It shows 8 h 33 min
